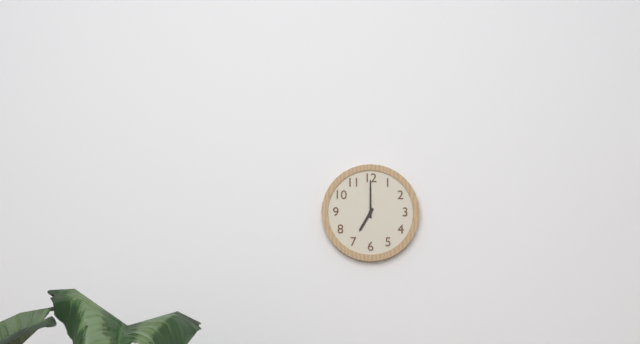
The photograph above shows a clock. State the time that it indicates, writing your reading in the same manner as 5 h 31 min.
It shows 7 h 00 min
